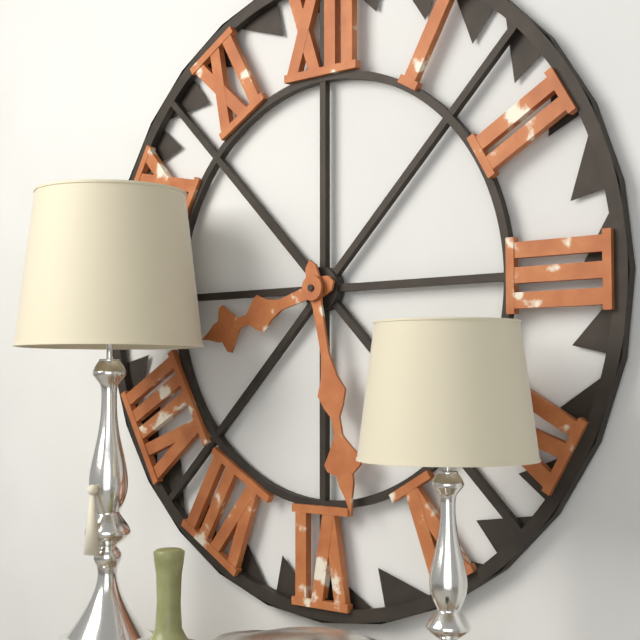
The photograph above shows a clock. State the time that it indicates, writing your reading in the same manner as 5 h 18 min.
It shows 8 h 28 min
